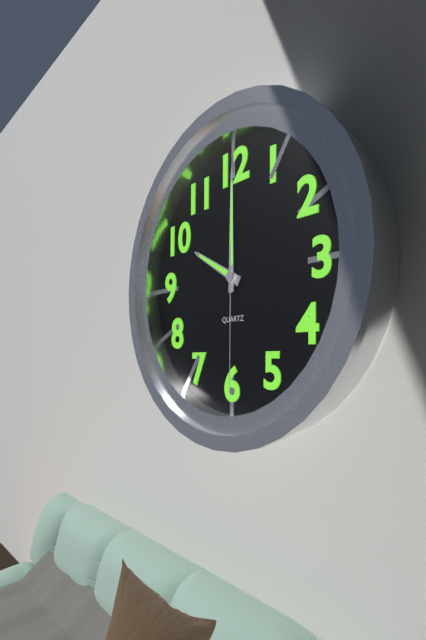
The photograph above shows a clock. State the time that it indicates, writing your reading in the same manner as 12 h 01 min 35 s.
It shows 10 h 00 min 30 s
